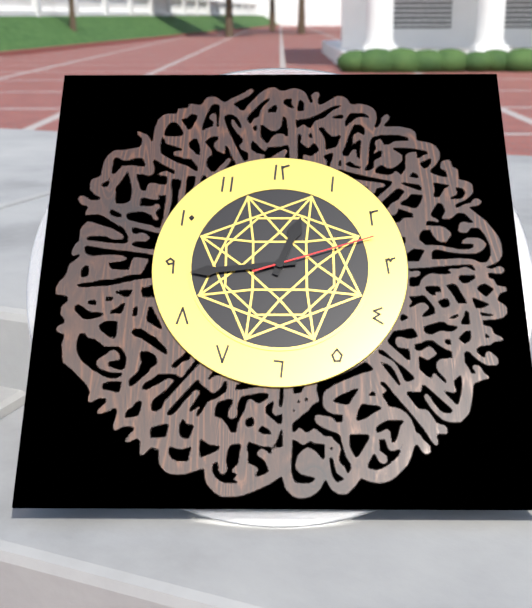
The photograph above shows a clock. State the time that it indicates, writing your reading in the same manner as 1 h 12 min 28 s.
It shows 12 h 44 min 12 s
